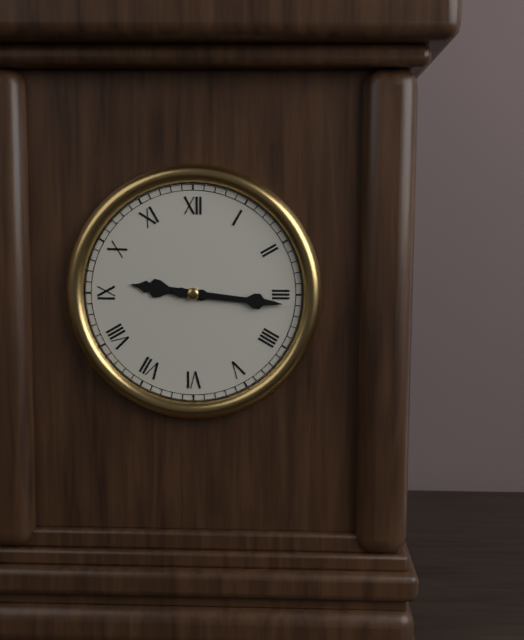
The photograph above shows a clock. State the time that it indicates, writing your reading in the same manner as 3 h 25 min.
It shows 9 h 16 min
